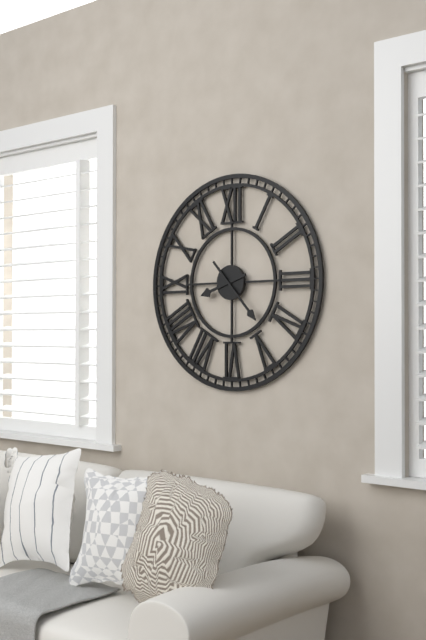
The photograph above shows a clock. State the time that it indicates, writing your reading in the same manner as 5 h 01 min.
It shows 8 h 23 min
